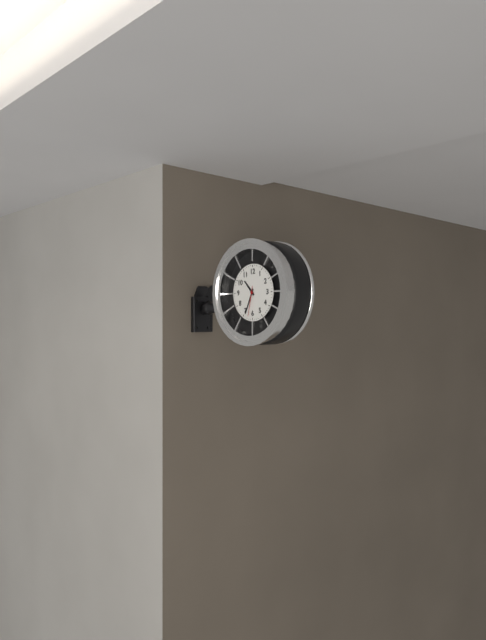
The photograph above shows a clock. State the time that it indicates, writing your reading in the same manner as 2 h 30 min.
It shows 10 h 34 min
